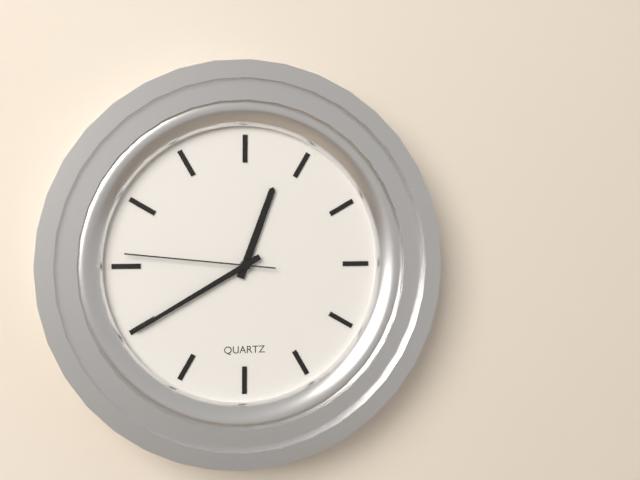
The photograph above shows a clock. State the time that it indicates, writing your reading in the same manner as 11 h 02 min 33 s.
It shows 12 h 40 min 46 s
